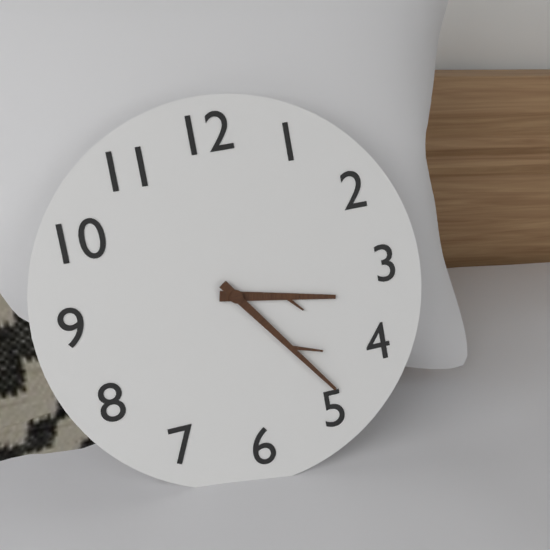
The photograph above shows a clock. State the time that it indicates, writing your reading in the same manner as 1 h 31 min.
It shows 3 h 24 min
